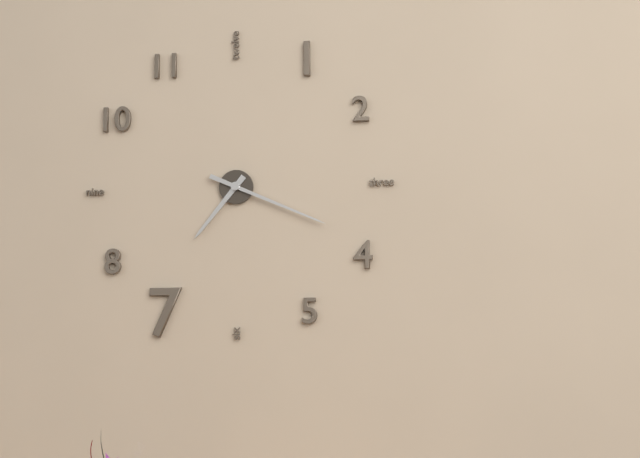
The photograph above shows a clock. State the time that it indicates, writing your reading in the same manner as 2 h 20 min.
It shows 7 h 19 min
